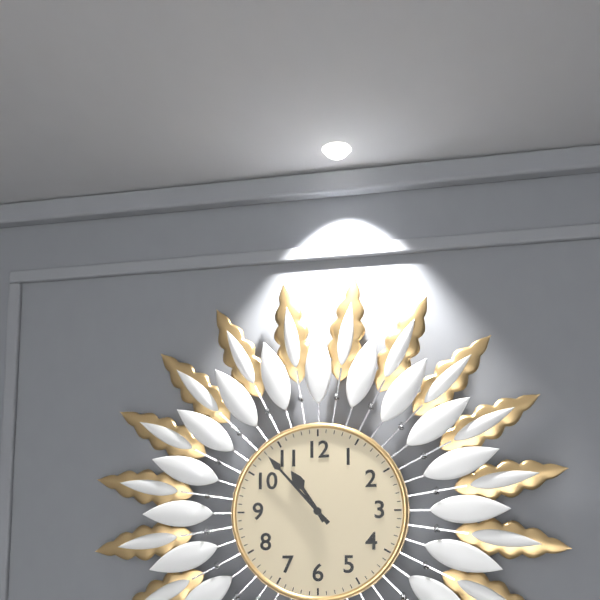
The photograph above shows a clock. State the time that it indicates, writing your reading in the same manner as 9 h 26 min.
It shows 10 h 53 min
